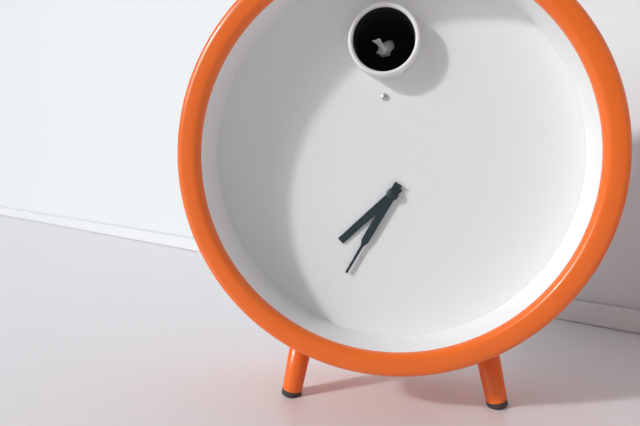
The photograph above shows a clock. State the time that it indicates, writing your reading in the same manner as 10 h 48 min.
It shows 7 h 35 min
